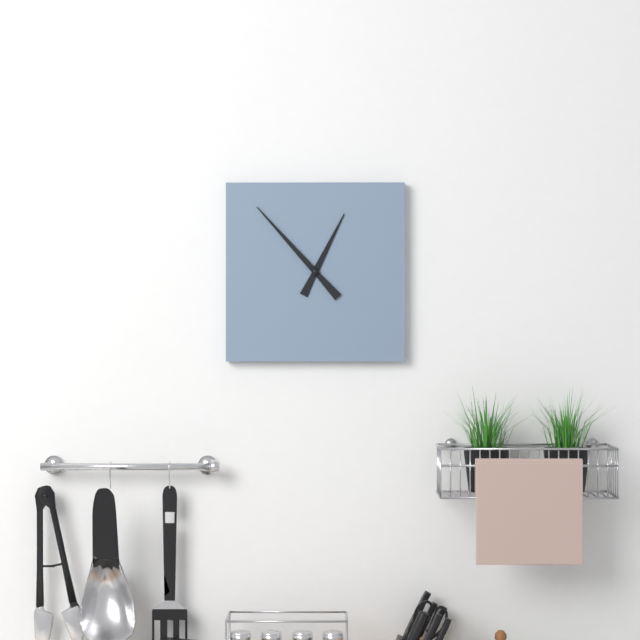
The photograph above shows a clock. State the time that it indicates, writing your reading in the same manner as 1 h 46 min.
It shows 12 h 53 min
